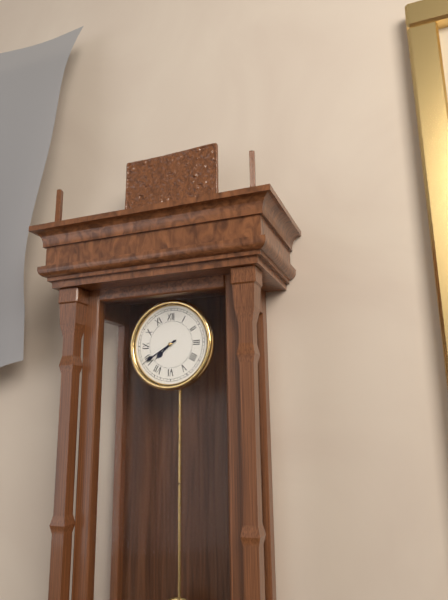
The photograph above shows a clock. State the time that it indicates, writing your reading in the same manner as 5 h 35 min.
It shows 7 h 40 min
